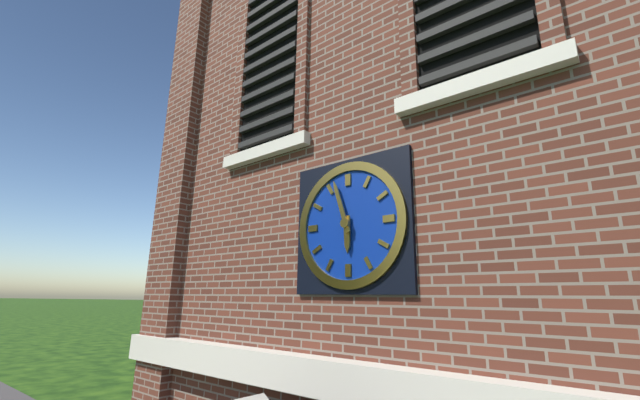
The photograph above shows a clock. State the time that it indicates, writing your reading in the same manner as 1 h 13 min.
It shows 5 h 57 min
